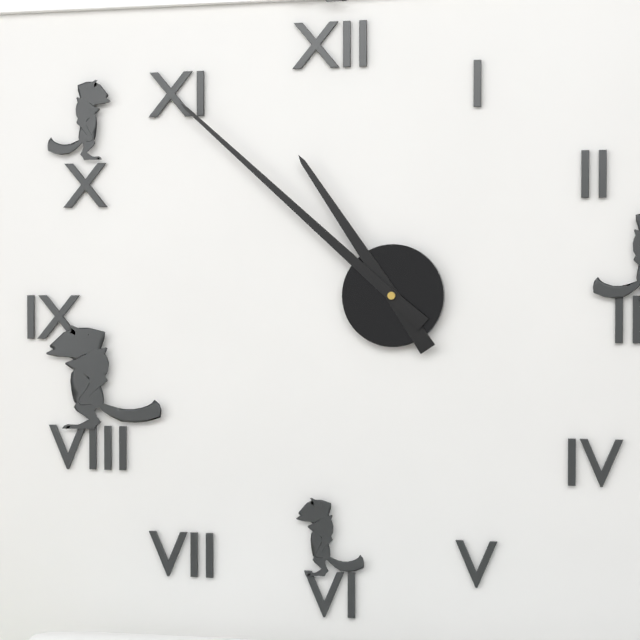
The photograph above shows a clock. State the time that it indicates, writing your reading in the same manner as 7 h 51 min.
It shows 10 h 52 min
